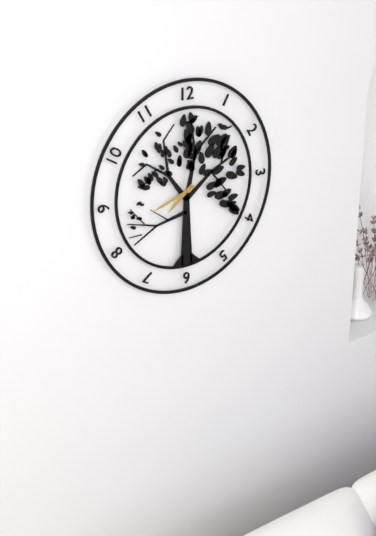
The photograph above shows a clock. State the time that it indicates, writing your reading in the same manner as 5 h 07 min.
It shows 7 h 42 min
